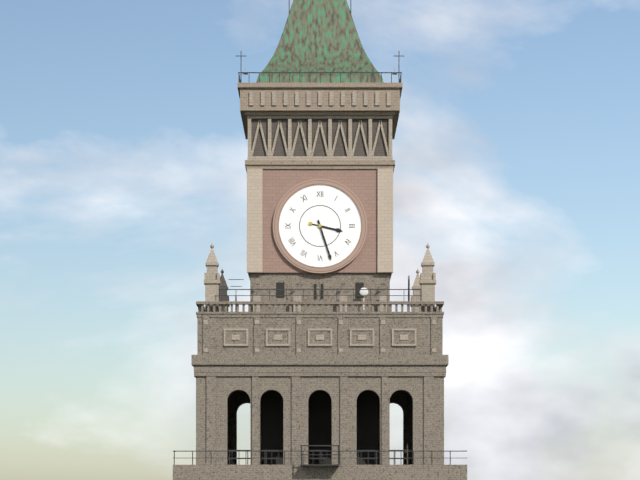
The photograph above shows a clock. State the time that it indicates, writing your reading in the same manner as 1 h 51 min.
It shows 3 h 27 min
